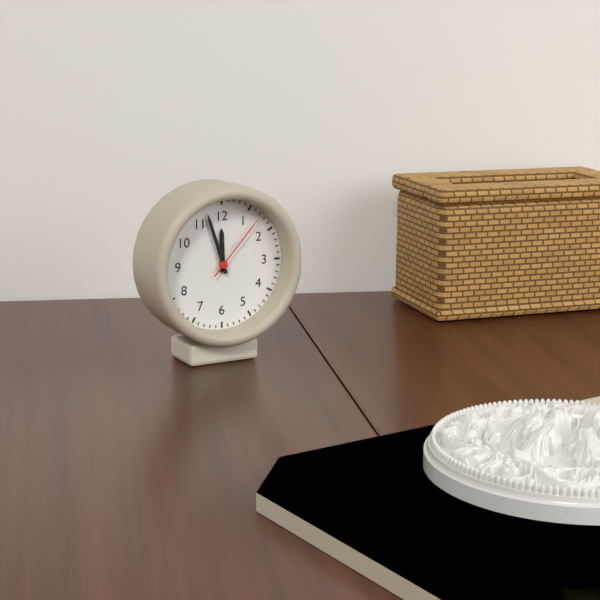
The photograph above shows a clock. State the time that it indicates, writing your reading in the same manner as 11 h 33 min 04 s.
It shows 11 h 57 min 07 s
